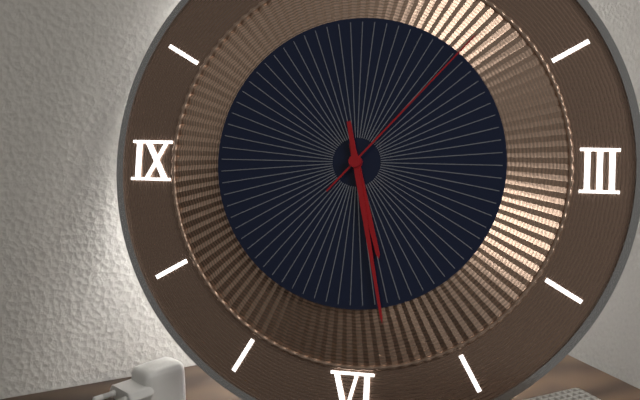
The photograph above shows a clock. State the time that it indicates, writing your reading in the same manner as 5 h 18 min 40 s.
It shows 5 h 28 min 07 s
